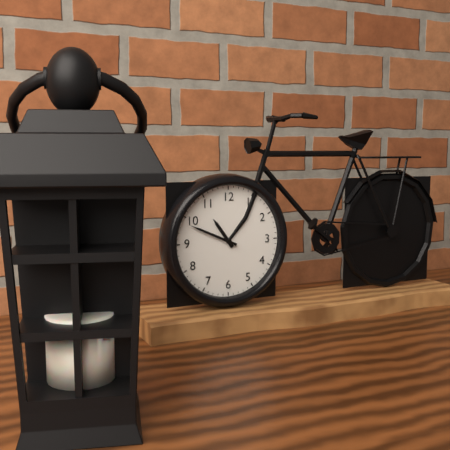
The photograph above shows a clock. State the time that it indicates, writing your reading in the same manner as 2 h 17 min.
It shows 10 h 49 min
